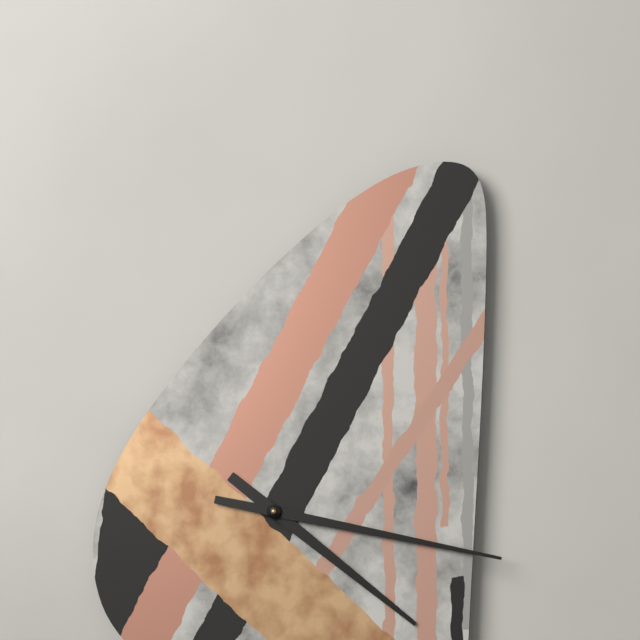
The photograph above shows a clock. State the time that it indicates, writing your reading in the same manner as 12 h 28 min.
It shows 4 h 17 min
